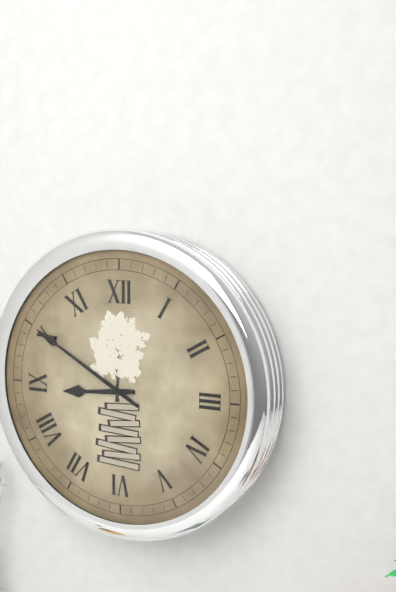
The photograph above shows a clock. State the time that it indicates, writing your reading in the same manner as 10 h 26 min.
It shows 8 h 50 min
